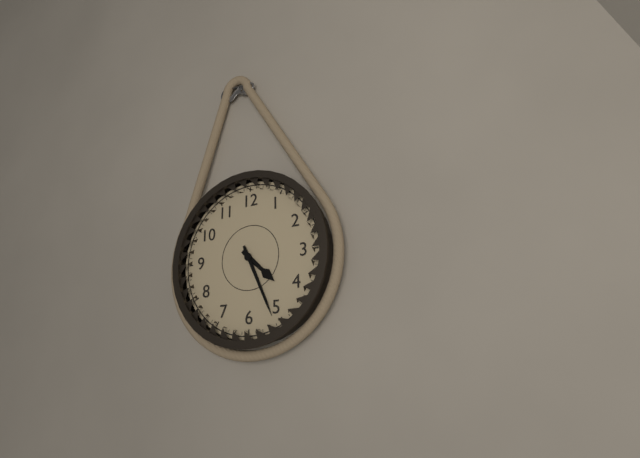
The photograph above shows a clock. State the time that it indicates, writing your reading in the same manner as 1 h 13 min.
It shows 4 h 26 min
